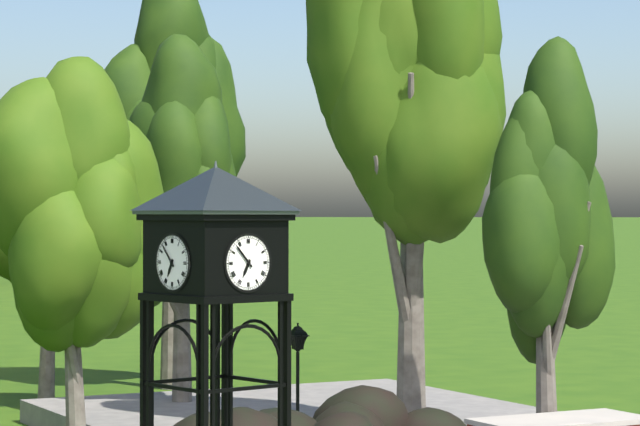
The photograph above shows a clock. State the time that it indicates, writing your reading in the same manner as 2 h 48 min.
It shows 6 h 53 min
